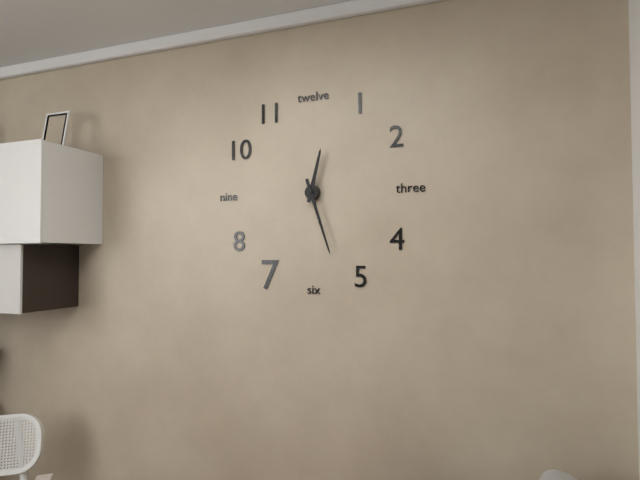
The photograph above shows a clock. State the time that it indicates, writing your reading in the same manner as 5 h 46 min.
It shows 12 h 27 min
